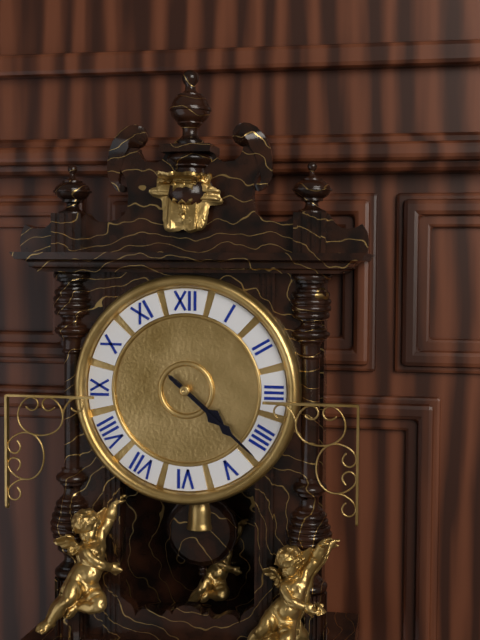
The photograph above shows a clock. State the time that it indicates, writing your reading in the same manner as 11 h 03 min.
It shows 4 h 22 min
